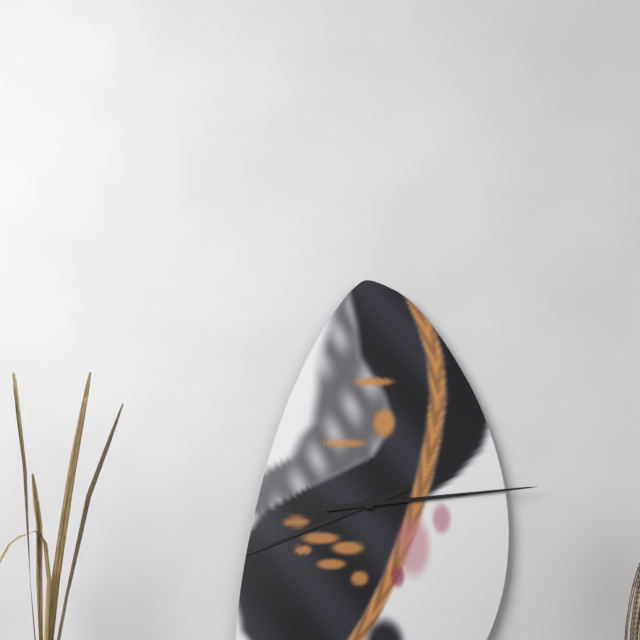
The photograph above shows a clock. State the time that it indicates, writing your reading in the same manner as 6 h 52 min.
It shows 8 h 14 min
